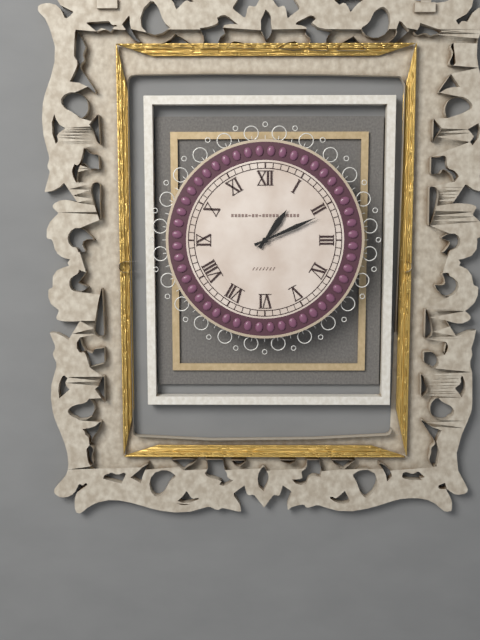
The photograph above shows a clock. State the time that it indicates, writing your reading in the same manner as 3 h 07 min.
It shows 1 h 11 min
